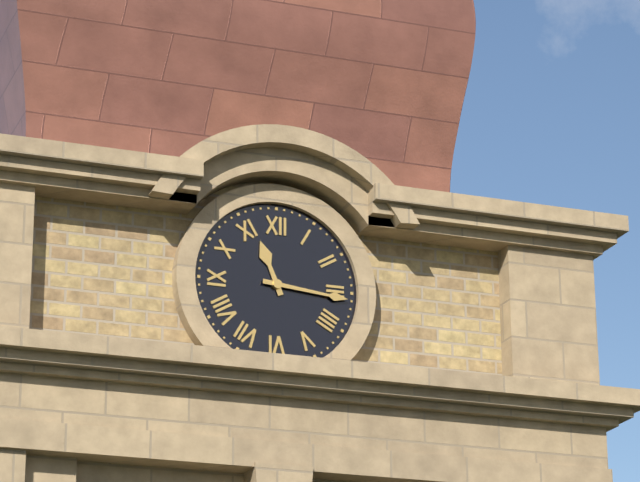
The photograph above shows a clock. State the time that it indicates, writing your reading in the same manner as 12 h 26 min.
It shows 11 h 16 min
